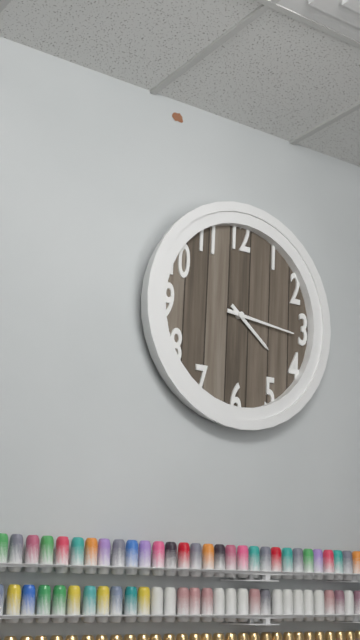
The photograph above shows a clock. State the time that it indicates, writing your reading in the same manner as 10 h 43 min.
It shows 4 h 16 min
